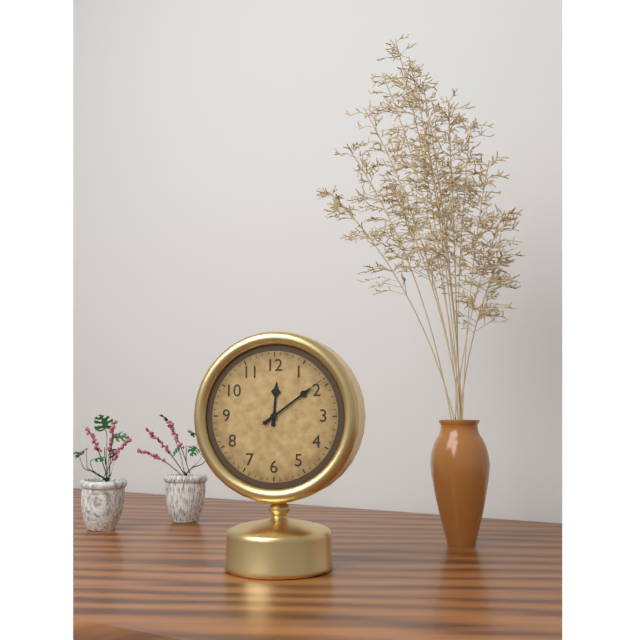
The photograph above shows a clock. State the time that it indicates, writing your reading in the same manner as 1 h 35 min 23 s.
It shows 12 h 09 min 09 s
